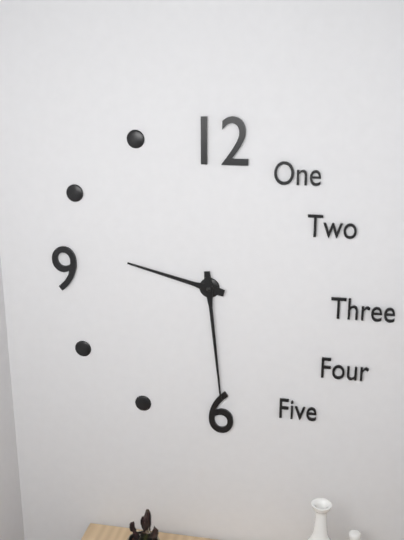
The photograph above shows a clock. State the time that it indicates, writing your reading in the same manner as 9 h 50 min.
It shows 9 h 29 min
